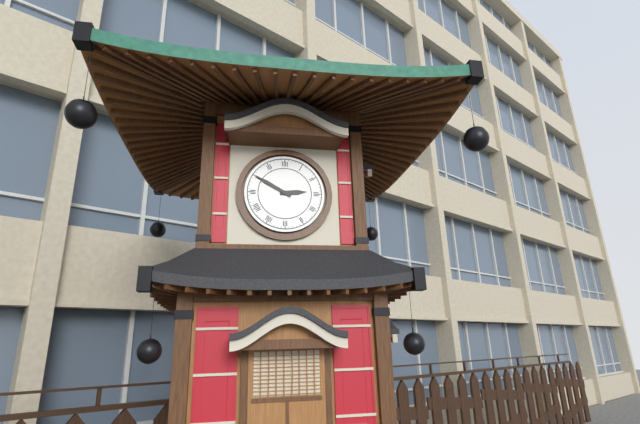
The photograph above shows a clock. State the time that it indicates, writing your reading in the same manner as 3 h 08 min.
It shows 2 h 50 min
